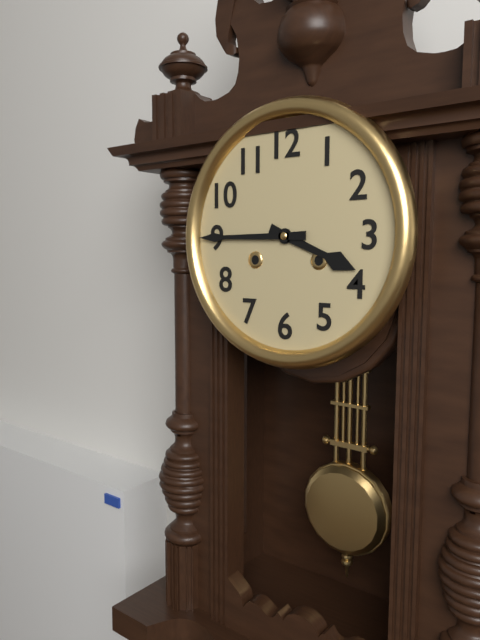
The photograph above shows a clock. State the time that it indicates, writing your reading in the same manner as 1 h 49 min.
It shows 3 h 45 min
